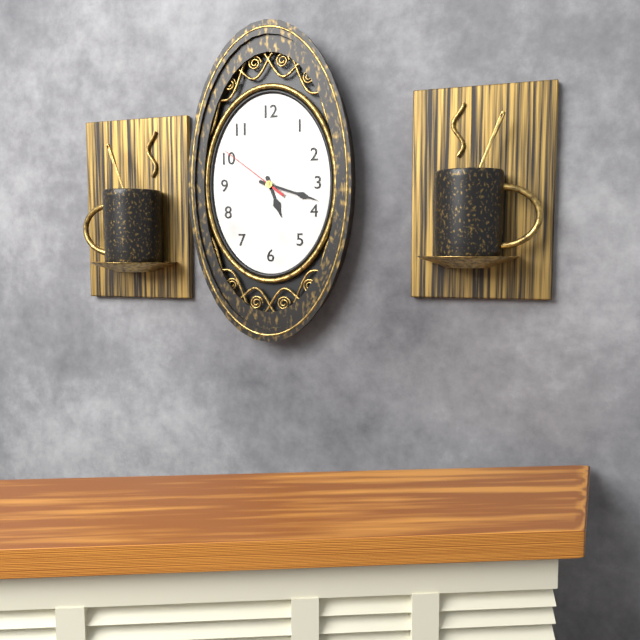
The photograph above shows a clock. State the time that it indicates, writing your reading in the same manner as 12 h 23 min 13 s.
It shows 5 h 18 min 51 s
